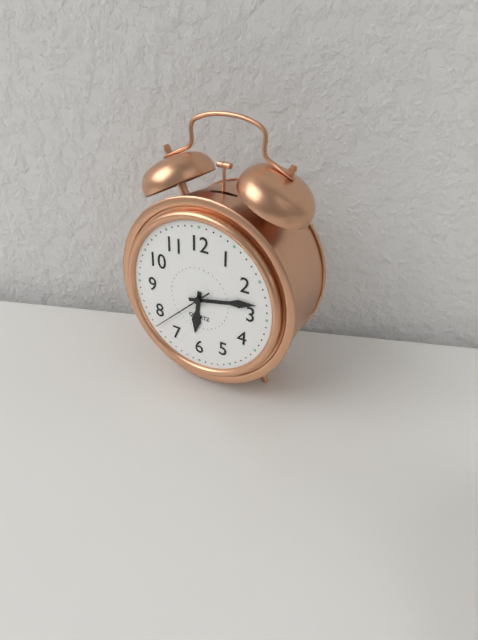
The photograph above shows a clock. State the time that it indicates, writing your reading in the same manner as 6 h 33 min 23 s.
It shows 6 h 13 min 38 s
